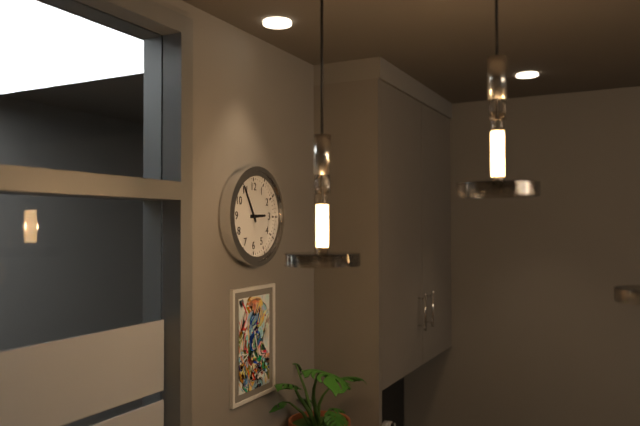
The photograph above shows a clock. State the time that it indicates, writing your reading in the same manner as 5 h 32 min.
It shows 2 h 55 min
